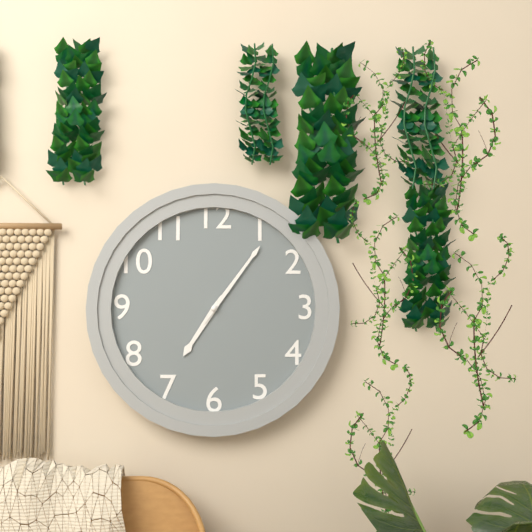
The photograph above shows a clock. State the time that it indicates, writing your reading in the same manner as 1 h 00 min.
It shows 7 h 06 min
